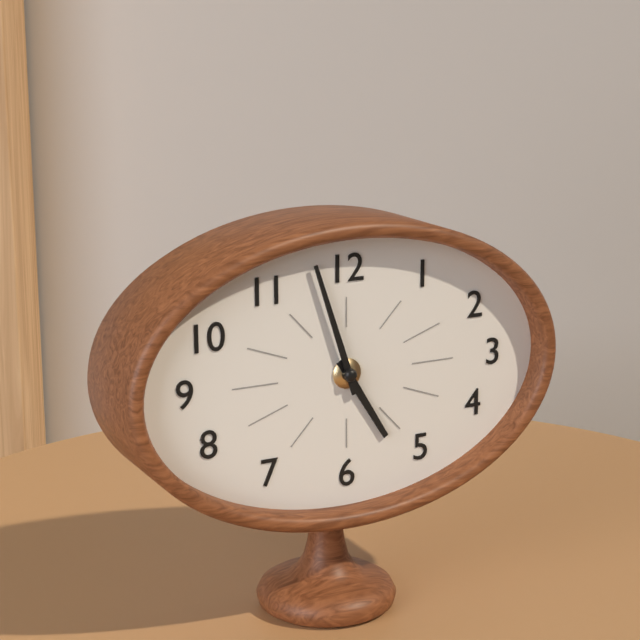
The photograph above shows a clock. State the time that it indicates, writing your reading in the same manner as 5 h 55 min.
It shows 4 h 57 min
